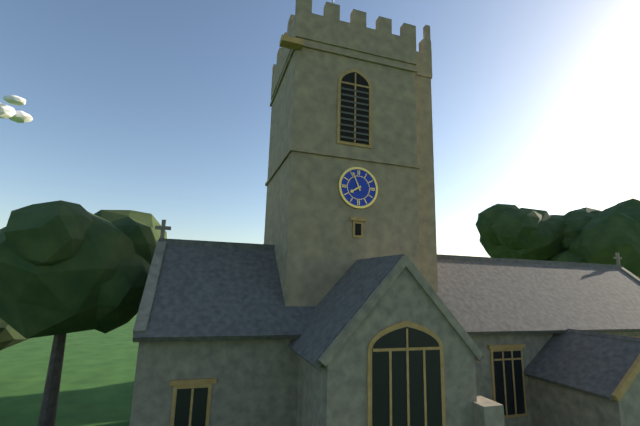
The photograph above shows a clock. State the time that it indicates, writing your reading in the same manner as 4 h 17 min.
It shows 7 h 56 min
